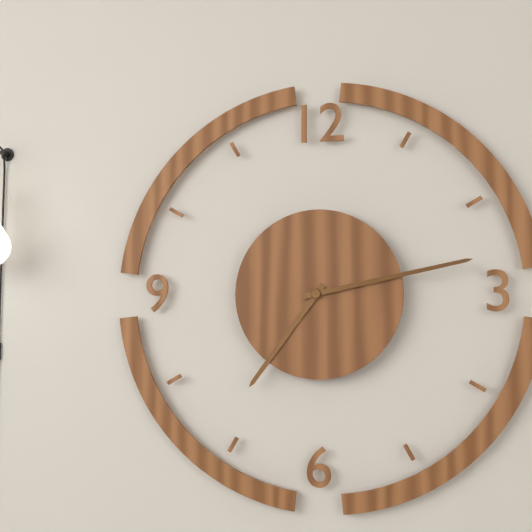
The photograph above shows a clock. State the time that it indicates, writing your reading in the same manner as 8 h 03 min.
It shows 7 h 13 min
